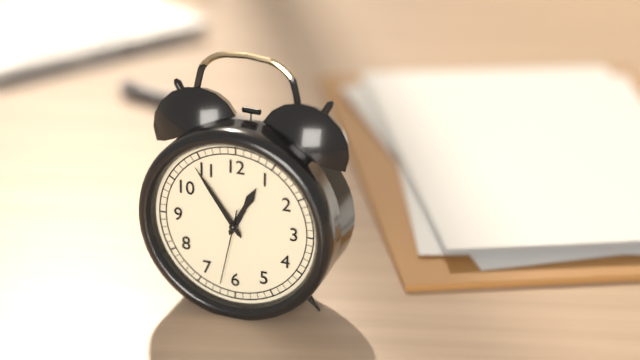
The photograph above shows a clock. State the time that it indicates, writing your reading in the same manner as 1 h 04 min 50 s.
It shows 12 h 54 min 32 s
